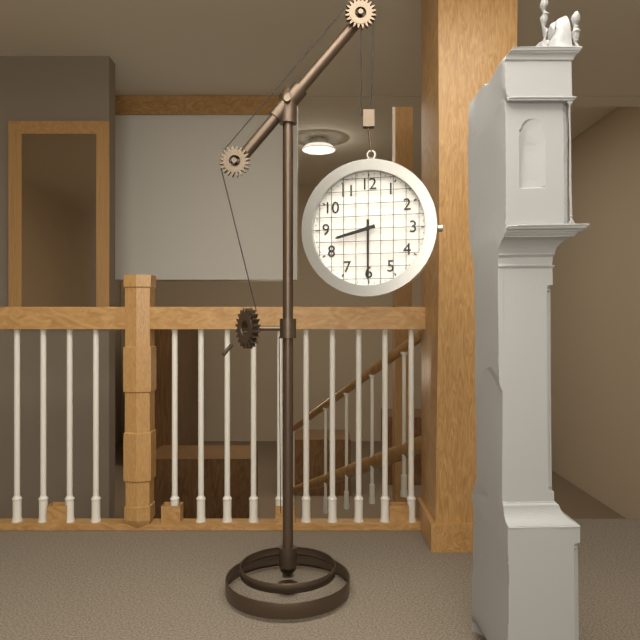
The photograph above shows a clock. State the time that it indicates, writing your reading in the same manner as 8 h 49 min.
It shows 8 h 30 min
